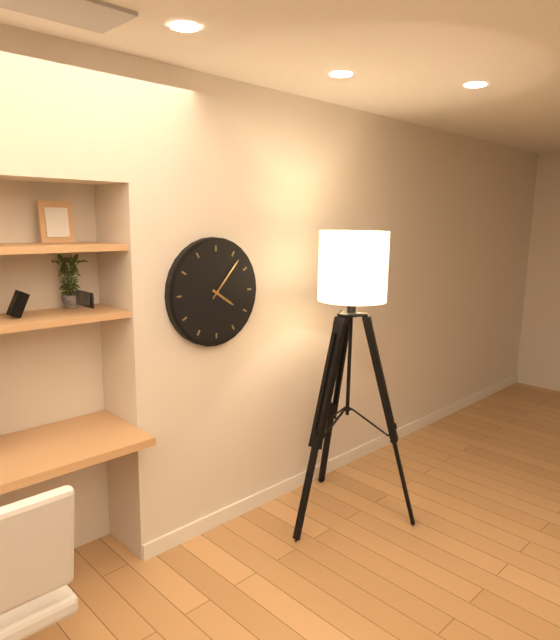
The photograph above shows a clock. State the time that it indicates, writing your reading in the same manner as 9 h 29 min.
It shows 4 h 07 min
